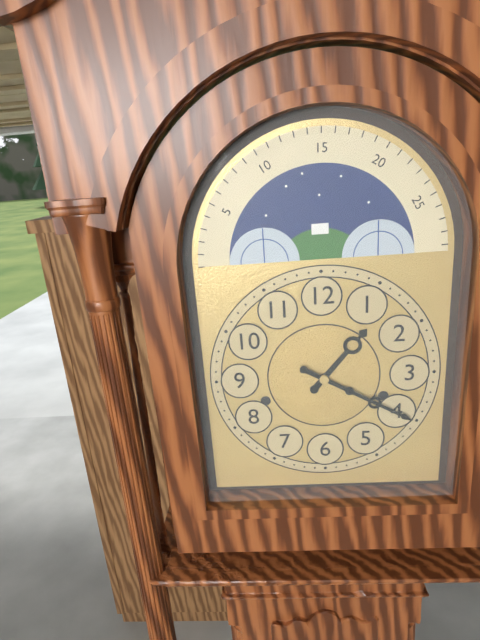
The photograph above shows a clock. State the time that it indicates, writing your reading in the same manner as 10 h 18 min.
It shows 1 h 20 min
